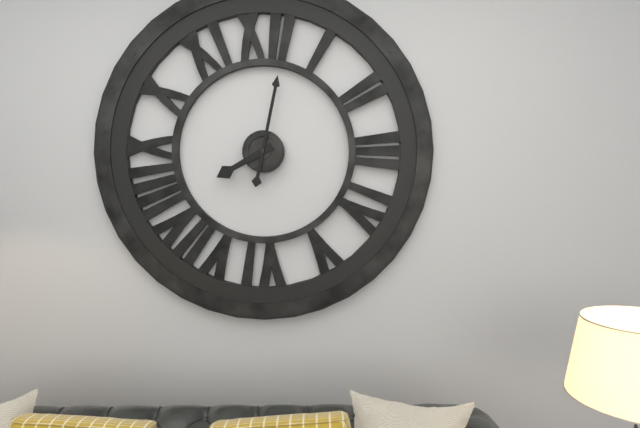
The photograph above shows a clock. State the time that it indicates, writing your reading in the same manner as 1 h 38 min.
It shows 8 h 02 min
